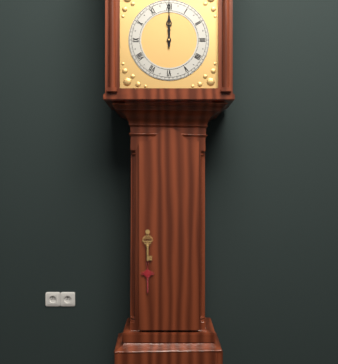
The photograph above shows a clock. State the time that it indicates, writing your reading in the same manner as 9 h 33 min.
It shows 12 h 00 min
